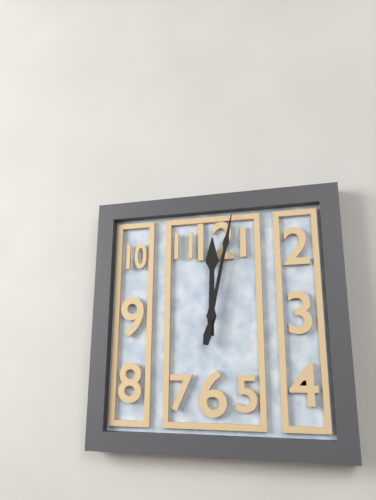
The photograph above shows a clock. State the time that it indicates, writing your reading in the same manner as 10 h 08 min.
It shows 12 h 02 min
